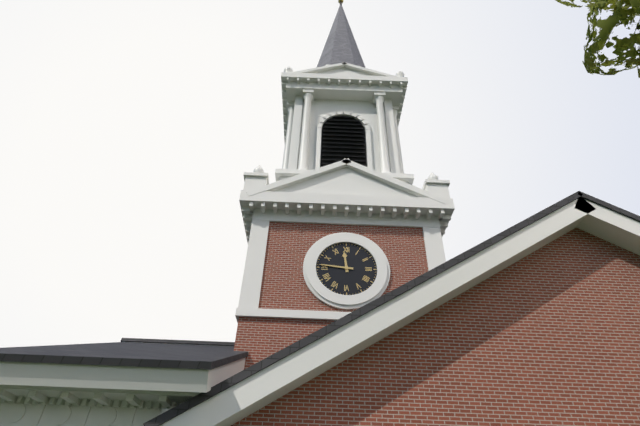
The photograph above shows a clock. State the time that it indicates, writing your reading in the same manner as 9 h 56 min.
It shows 11 h 46 min
